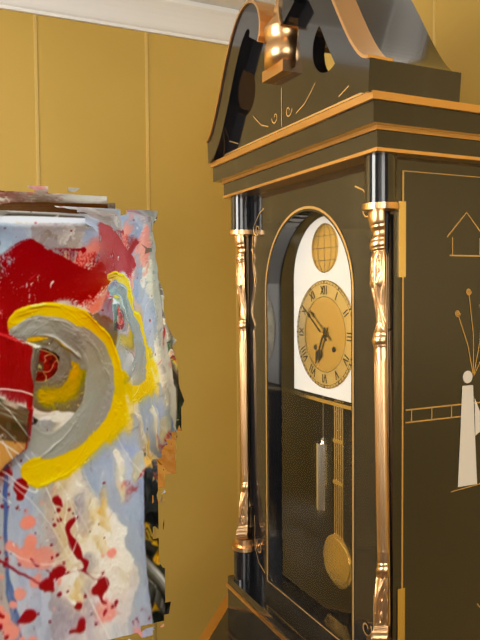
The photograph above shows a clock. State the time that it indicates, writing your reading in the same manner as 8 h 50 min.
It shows 6 h 51 min
